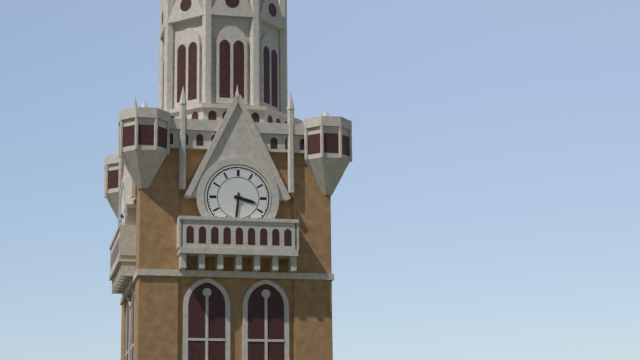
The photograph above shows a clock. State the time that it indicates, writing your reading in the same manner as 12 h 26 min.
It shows 3 h 31 min
